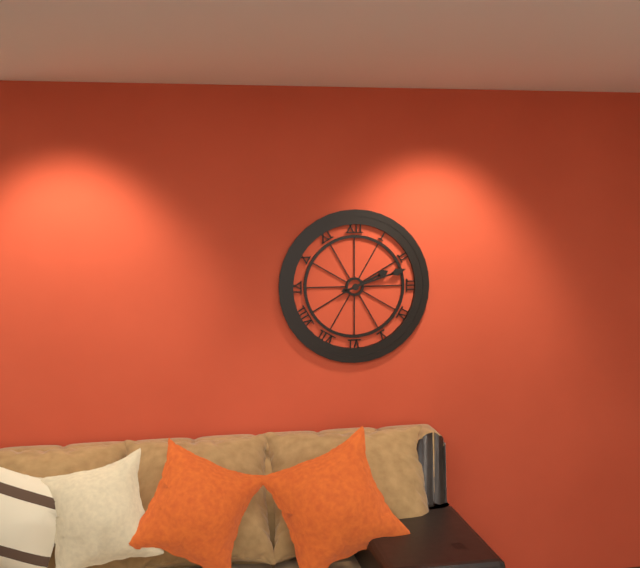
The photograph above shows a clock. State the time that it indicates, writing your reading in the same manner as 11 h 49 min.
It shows 2 h 12 min
